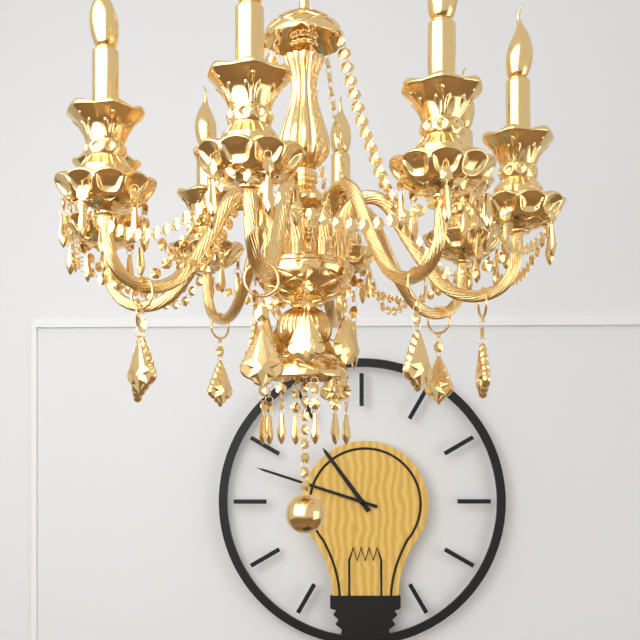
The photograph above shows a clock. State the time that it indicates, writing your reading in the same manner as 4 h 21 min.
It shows 10 h 48 min
